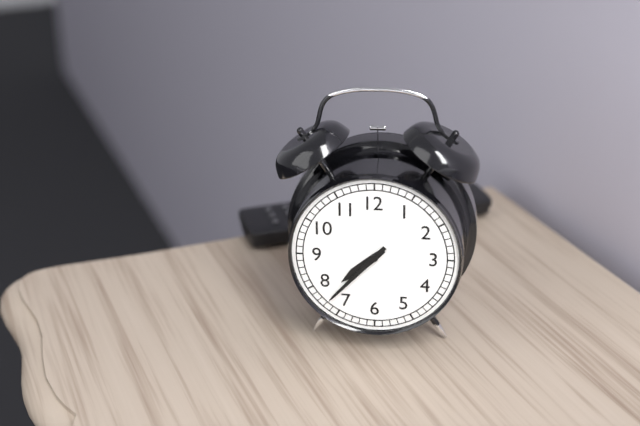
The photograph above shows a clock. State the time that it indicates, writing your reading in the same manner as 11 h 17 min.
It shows 7 h 37 min
